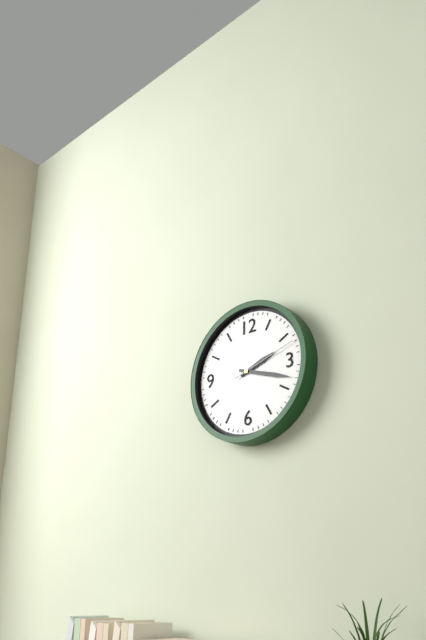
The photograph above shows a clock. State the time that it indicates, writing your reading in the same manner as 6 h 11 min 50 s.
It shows 2 h 18 min 12 s
